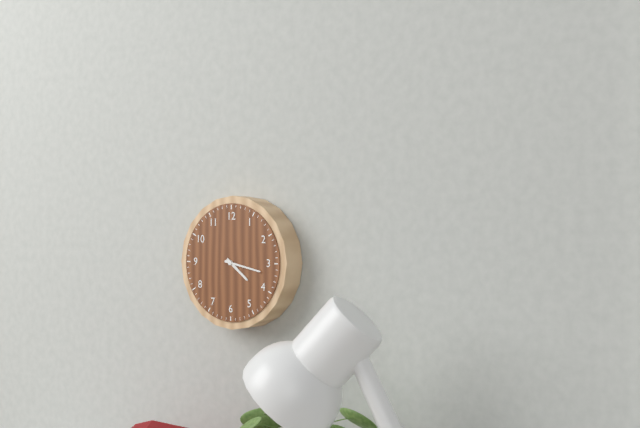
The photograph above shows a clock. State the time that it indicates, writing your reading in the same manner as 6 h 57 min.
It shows 4 h 17 min
